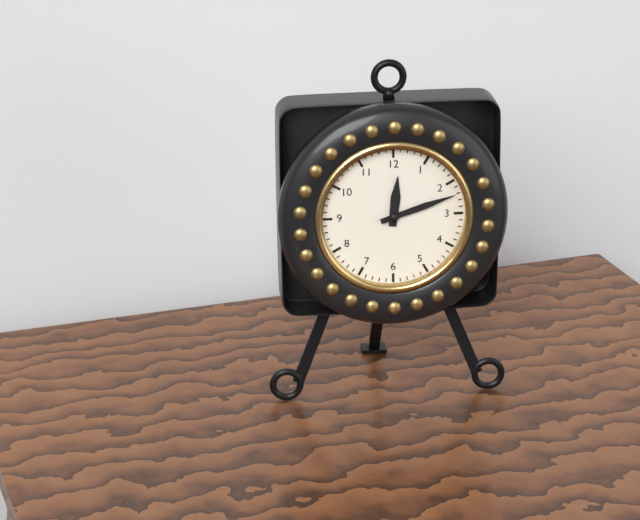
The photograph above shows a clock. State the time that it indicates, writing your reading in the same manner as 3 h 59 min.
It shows 12 h 12 min
